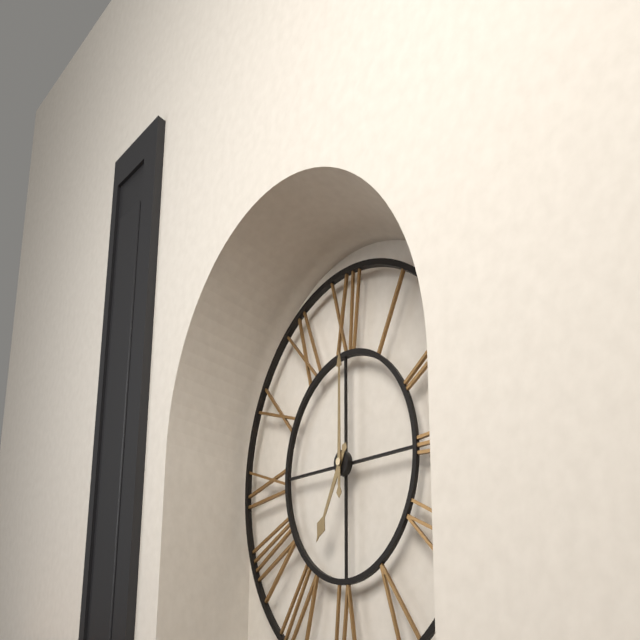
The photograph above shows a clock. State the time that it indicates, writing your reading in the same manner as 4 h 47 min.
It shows 7 h 00 min
